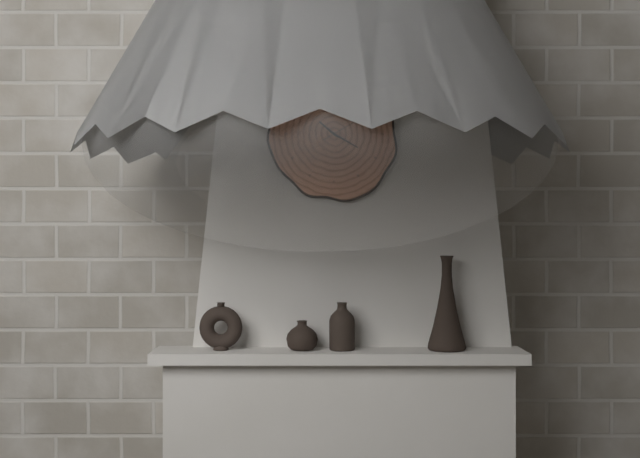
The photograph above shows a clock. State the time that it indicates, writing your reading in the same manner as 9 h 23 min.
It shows 10 h 20 min
